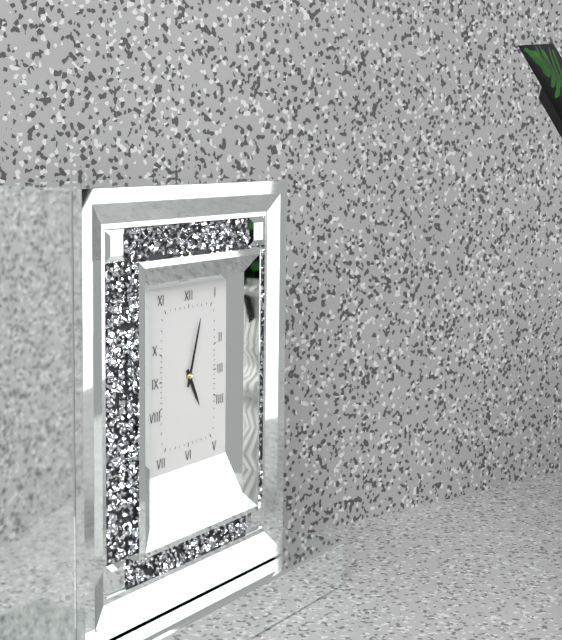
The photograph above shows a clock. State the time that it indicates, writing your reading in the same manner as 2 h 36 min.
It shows 5 h 03 min
